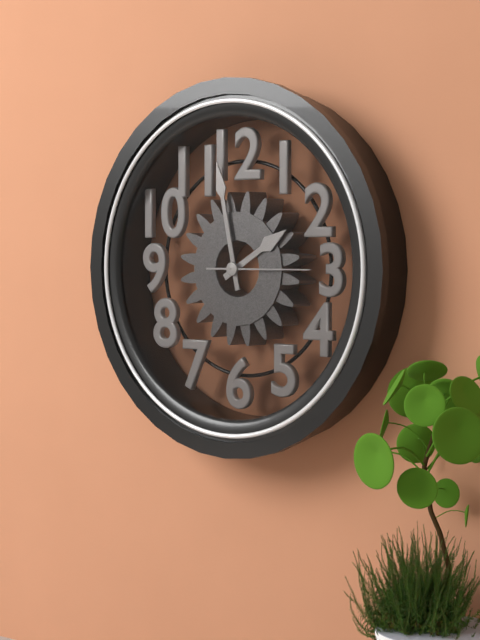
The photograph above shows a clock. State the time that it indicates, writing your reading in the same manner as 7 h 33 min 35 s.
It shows 1 h 58 min 15 s
